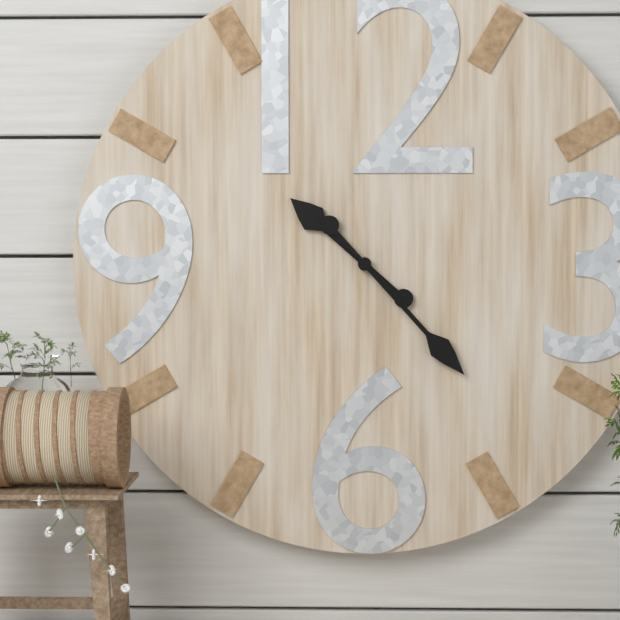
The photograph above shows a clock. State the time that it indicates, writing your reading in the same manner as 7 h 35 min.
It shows 10 h 23 min
